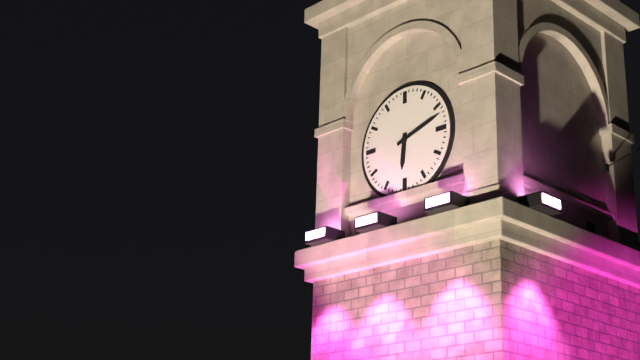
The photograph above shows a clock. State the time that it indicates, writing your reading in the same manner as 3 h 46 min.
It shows 6 h 12 min
